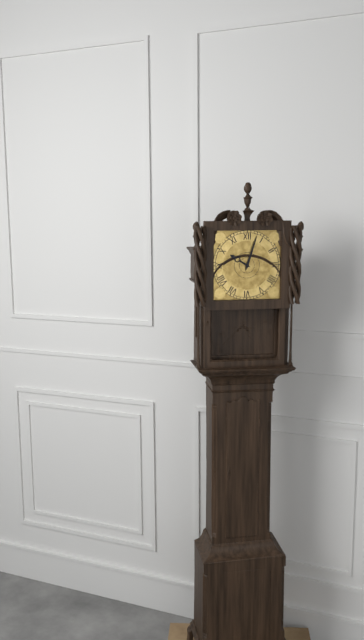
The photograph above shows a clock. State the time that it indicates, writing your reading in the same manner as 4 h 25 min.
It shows 10 h 03 min
